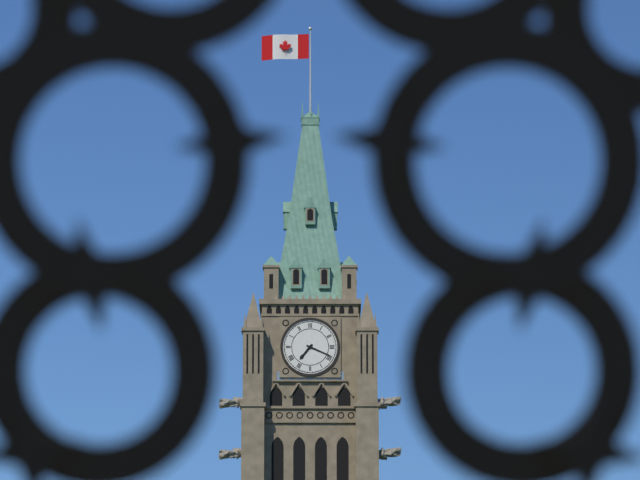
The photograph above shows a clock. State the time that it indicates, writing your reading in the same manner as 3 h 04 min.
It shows 7 h 19 min
